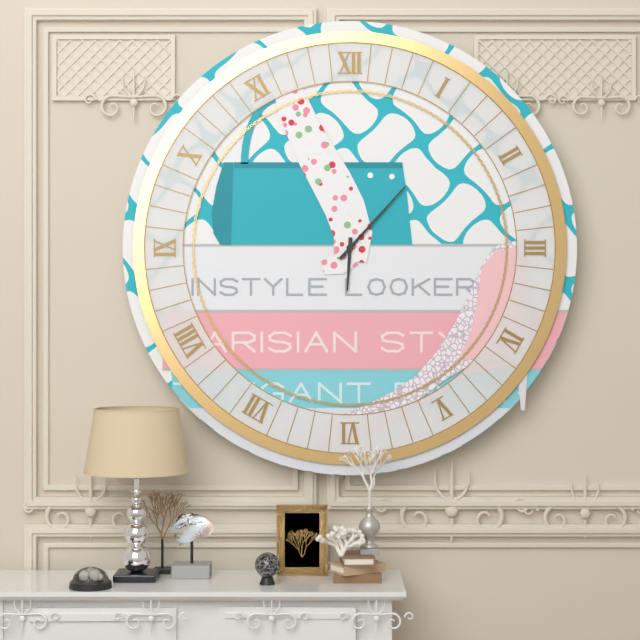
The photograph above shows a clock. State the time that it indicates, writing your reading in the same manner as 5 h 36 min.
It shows 6 h 07 min
